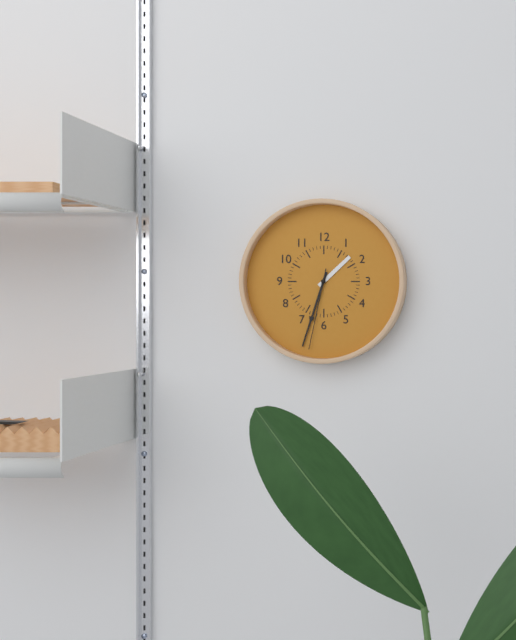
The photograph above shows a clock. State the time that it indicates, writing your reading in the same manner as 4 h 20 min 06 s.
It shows 1 h 33 min 32 s
